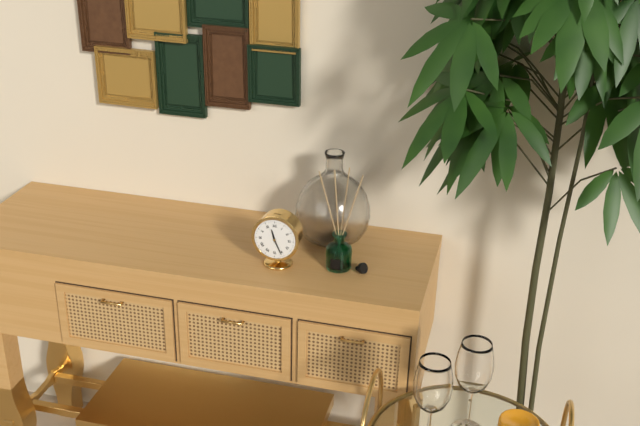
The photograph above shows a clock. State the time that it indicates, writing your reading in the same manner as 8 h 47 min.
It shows 11 h 26 min
